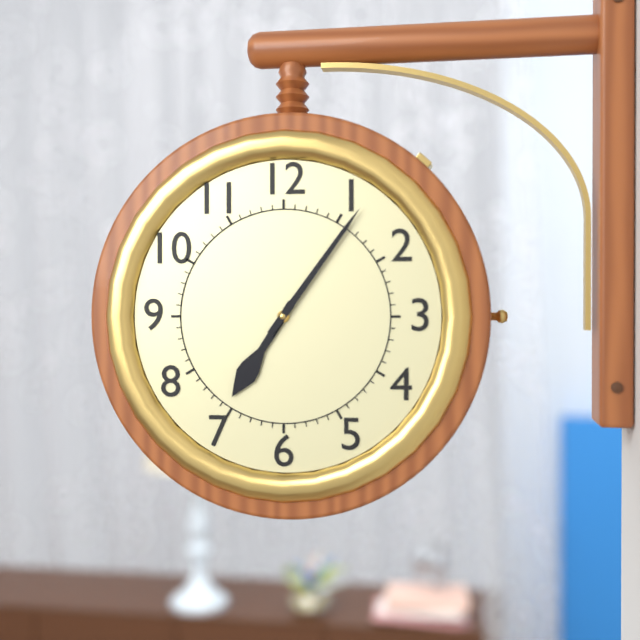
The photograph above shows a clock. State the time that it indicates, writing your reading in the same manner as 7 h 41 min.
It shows 7 h 06 min
